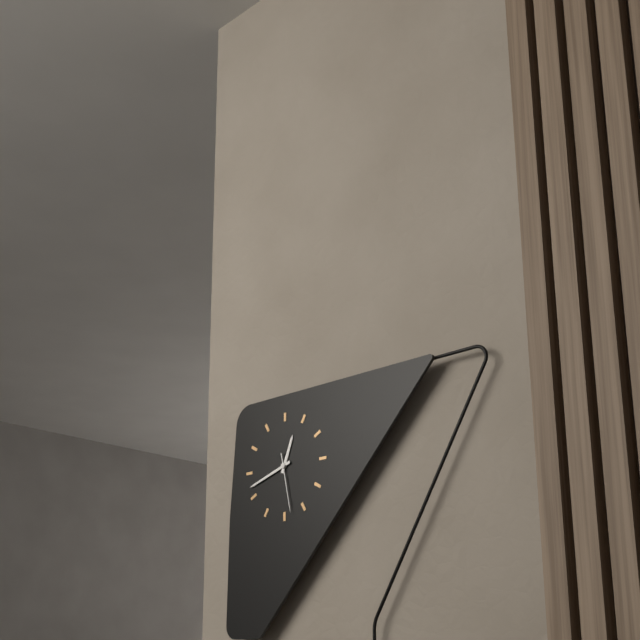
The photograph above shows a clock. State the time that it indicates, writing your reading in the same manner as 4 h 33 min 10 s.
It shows 12 h 42 min 28 s
